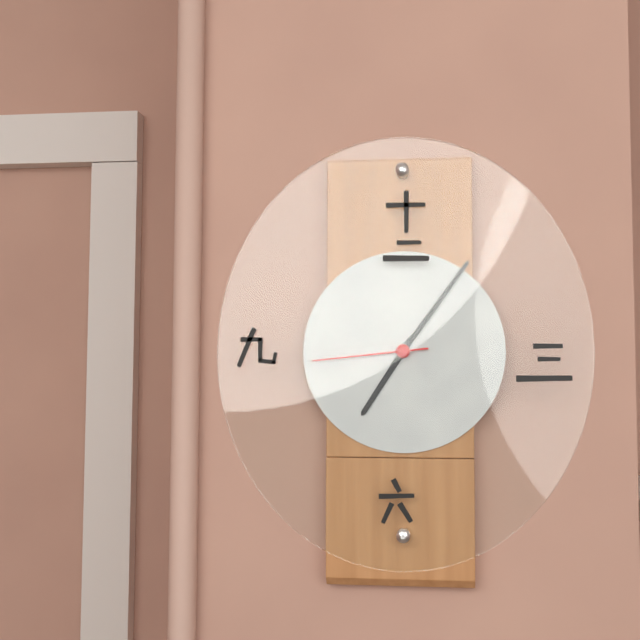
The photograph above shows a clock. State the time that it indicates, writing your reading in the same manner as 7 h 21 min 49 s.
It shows 7 h 06 min 44 s
